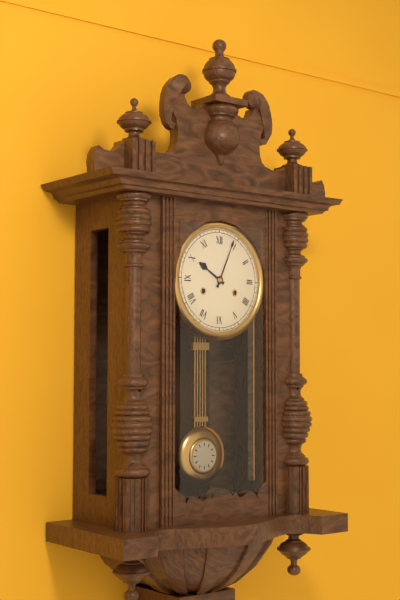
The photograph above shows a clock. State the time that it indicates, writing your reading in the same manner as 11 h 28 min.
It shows 10 h 04 min
